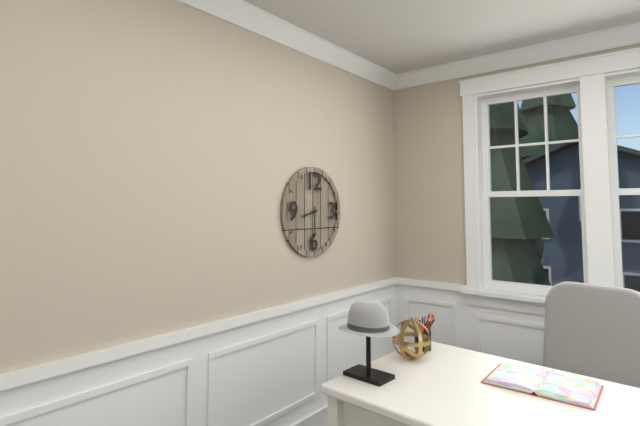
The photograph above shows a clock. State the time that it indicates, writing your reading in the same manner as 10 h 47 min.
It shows 8 h 30 min
